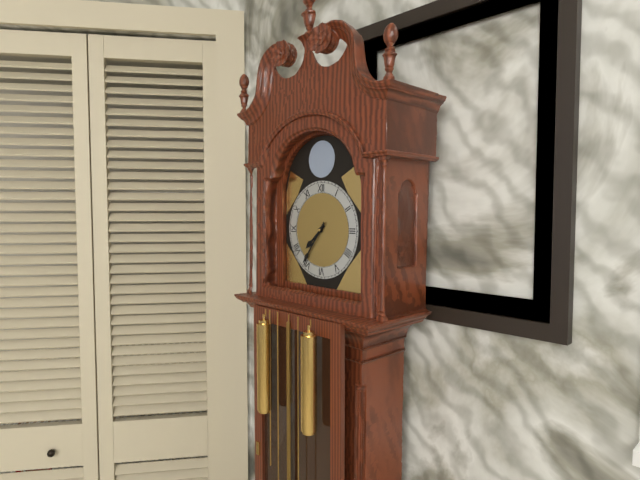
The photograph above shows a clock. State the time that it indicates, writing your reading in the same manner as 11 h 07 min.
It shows 7 h 36 min
